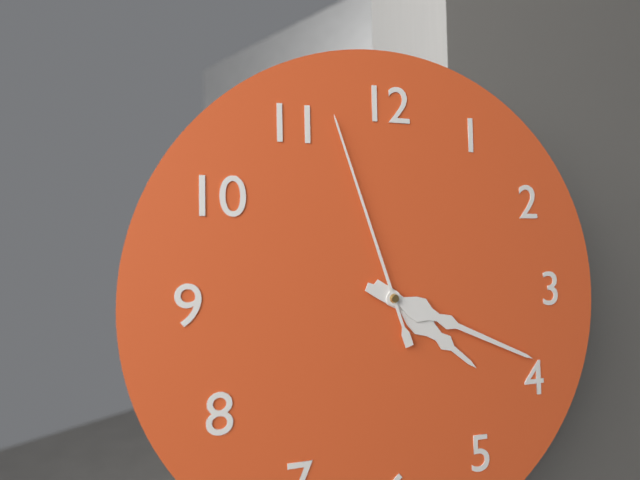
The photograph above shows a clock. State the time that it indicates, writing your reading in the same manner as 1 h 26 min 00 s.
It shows 4 h 19 min 57 s
